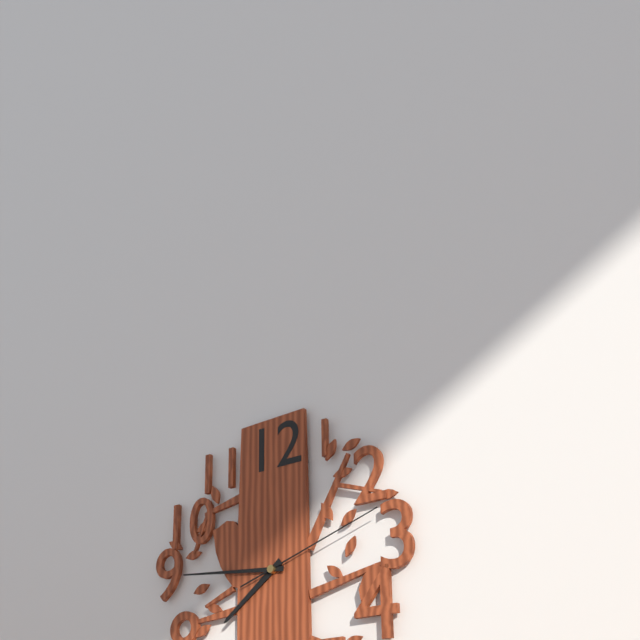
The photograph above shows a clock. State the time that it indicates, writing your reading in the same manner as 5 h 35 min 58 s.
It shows 7 h 46 min 12 s
